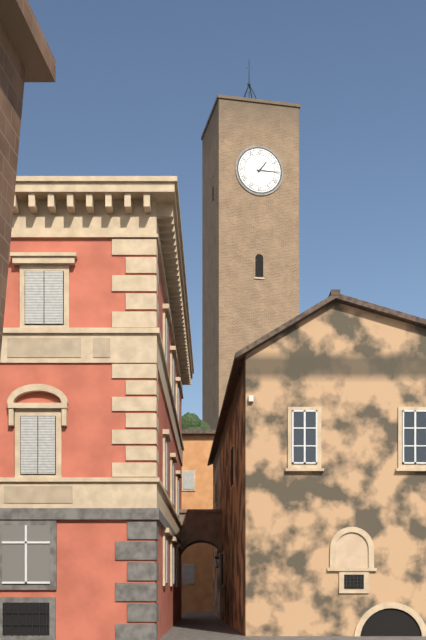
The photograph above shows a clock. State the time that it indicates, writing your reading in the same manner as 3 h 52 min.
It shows 1 h 15 min
